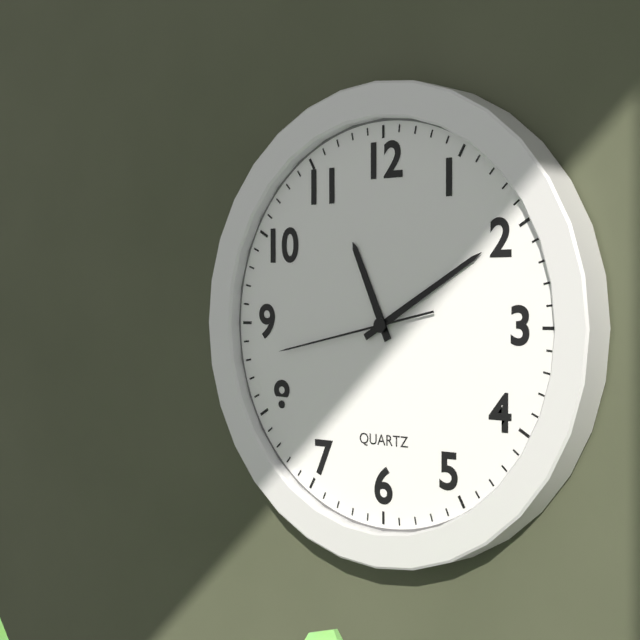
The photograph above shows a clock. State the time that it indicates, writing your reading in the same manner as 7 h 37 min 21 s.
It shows 11 h 10 min 43 s
